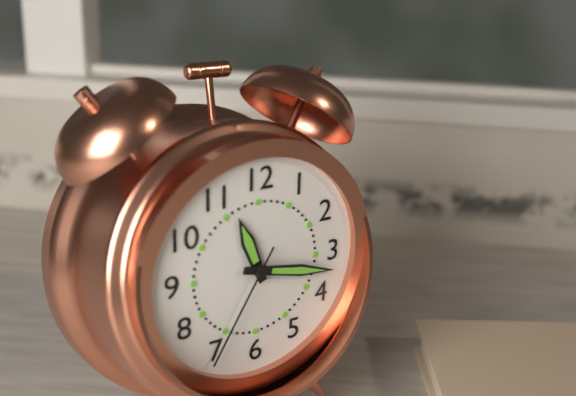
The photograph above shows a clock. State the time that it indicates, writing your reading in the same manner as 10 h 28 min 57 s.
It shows 11 h 17 min 35 s
